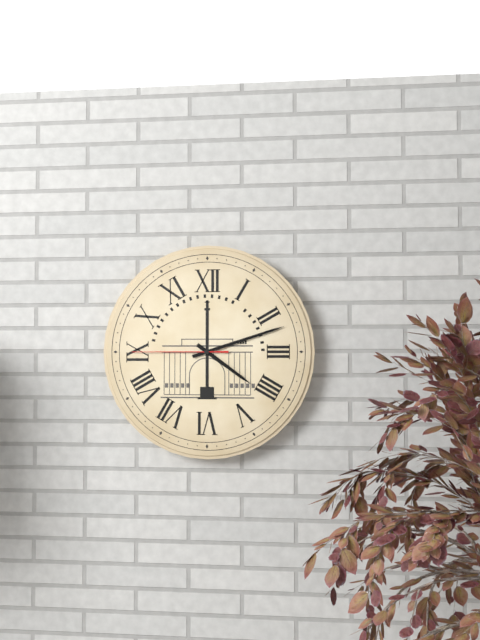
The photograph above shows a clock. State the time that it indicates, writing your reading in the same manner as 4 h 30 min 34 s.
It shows 4 h 12 min 45 s
